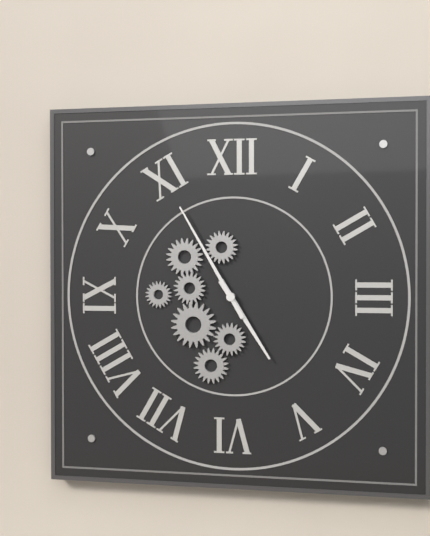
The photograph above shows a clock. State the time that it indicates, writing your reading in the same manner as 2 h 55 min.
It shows 4 h 55 min
